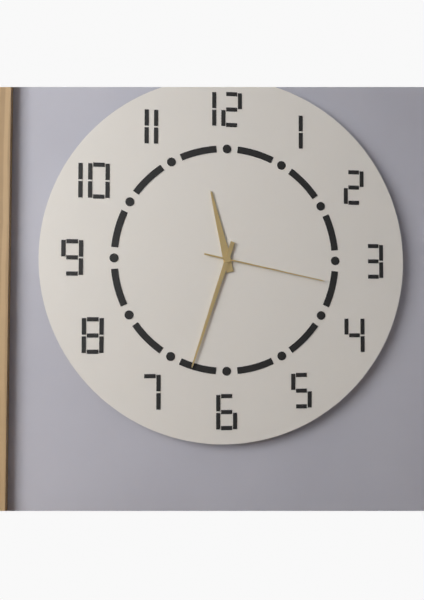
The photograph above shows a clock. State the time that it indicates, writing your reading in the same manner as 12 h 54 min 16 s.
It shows 11 h 33 min 17 s
